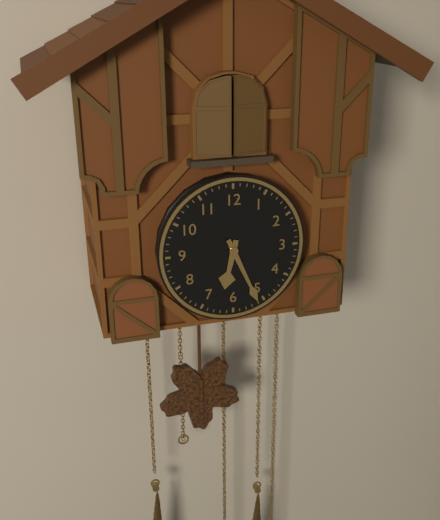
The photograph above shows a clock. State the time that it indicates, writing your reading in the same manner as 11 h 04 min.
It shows 6 h 26 min
